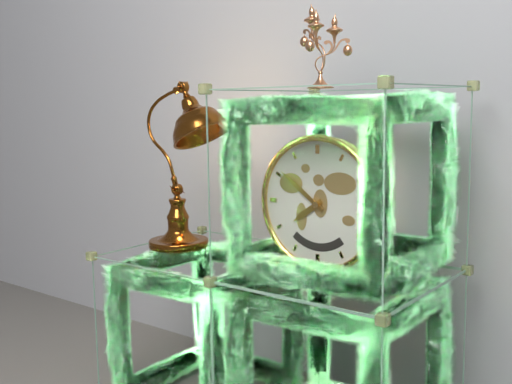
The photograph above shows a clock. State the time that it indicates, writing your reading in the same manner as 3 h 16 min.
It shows 7 h 51 min
